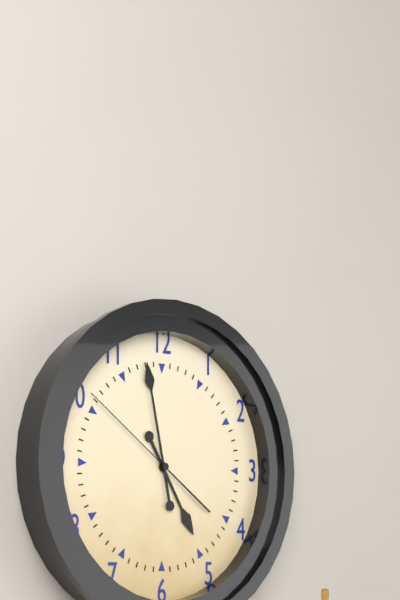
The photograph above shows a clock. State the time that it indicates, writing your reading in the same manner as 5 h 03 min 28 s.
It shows 4 h 58 min 51 s
